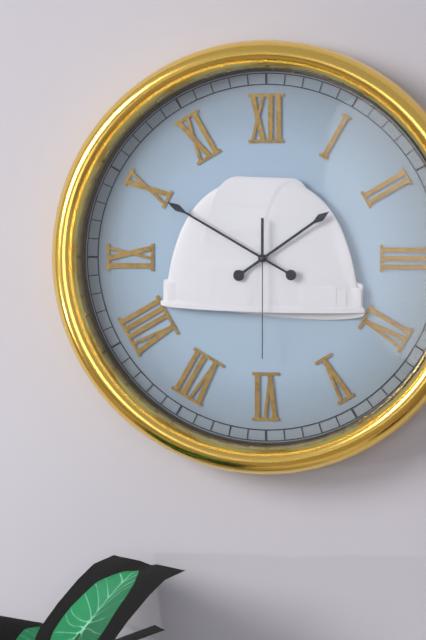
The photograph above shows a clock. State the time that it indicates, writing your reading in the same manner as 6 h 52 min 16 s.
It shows 1 h 50 min 30 s
